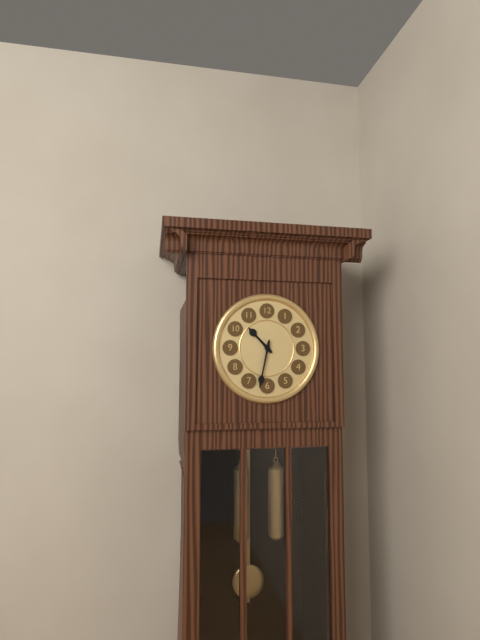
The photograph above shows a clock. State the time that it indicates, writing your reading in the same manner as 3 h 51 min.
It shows 10 h 32 min
